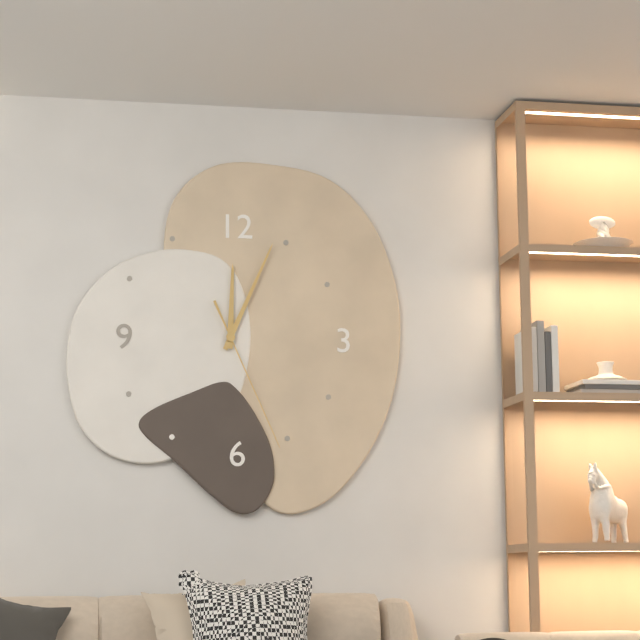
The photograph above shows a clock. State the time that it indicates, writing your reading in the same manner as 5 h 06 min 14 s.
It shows 12 h 04 min 26 s
